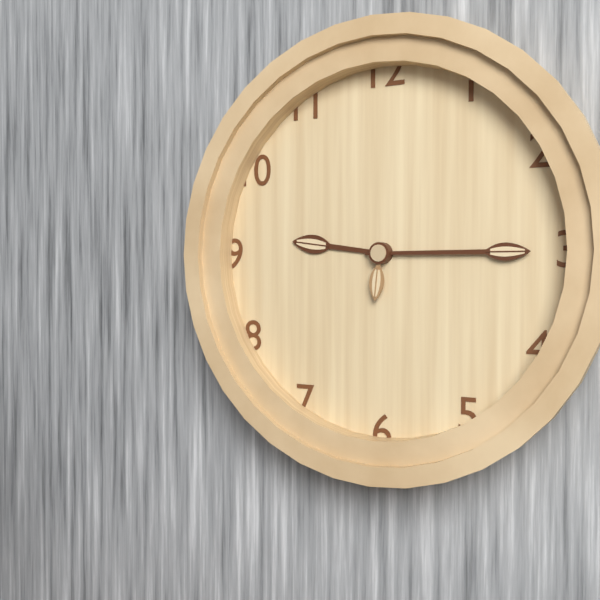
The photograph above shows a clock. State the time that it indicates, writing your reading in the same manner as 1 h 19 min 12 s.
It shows 9 h 15 min 31 s
